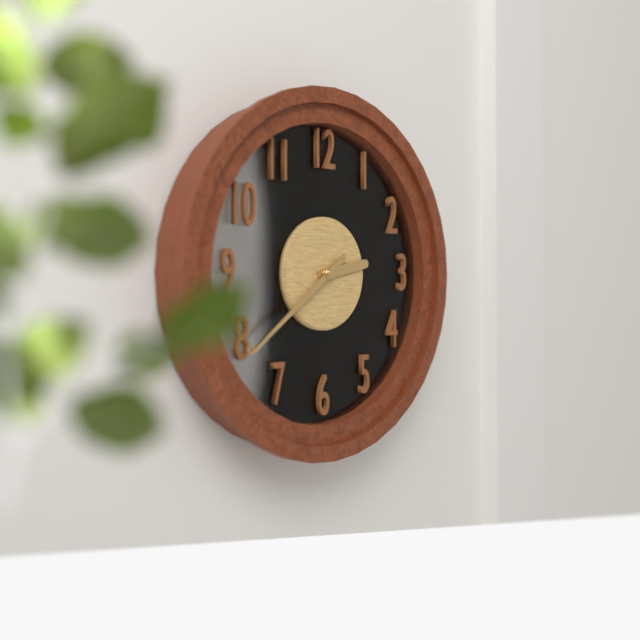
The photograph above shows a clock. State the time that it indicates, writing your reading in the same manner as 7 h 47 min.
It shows 2 h 39 min
